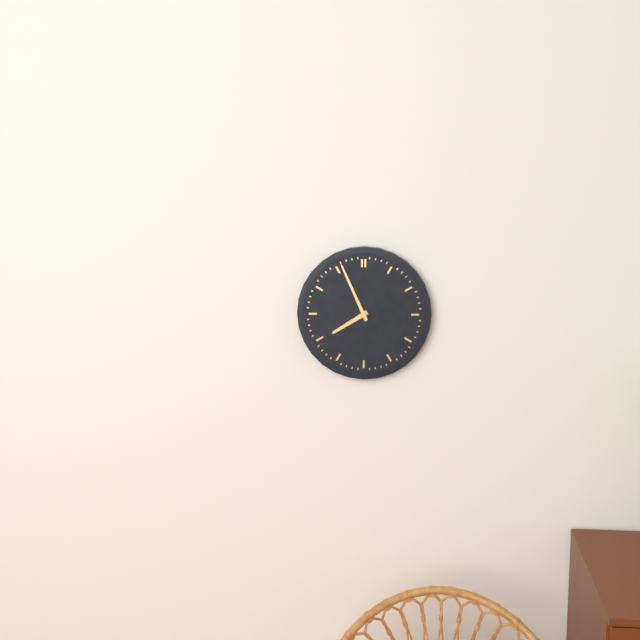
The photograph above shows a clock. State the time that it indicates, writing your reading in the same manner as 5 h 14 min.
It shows 7 h 56 min
